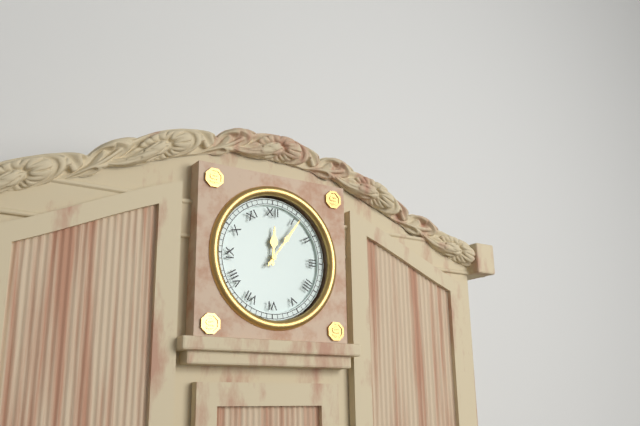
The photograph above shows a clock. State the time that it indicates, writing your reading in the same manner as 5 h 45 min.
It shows 12 h 06 min
